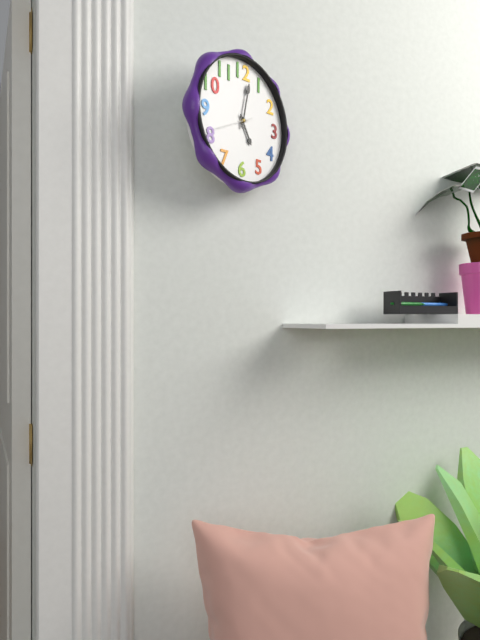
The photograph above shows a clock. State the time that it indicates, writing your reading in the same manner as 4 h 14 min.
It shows 5 h 02 min
